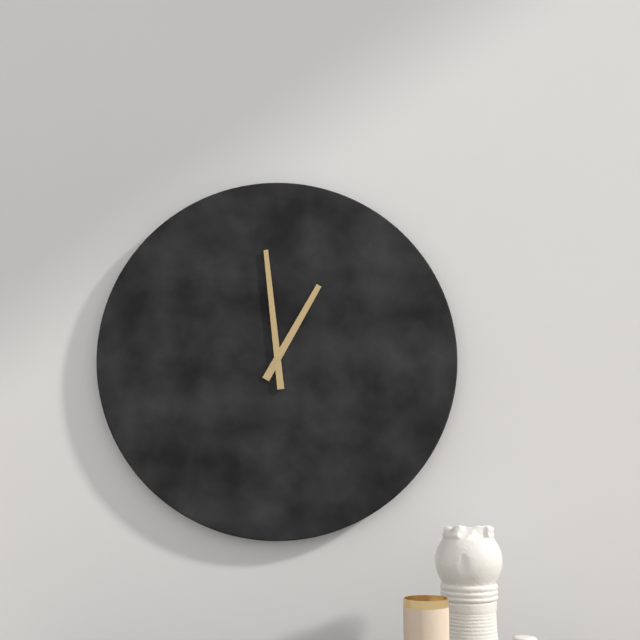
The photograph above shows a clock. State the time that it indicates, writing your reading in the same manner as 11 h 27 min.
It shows 12 h 59 min
